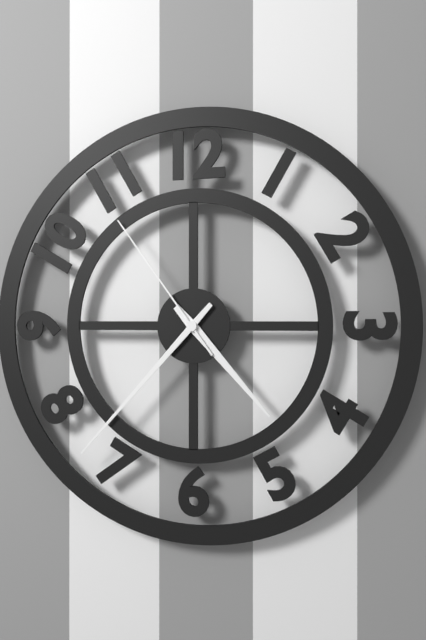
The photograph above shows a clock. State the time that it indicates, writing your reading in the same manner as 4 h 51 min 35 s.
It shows 4 h 37 min 54 s
